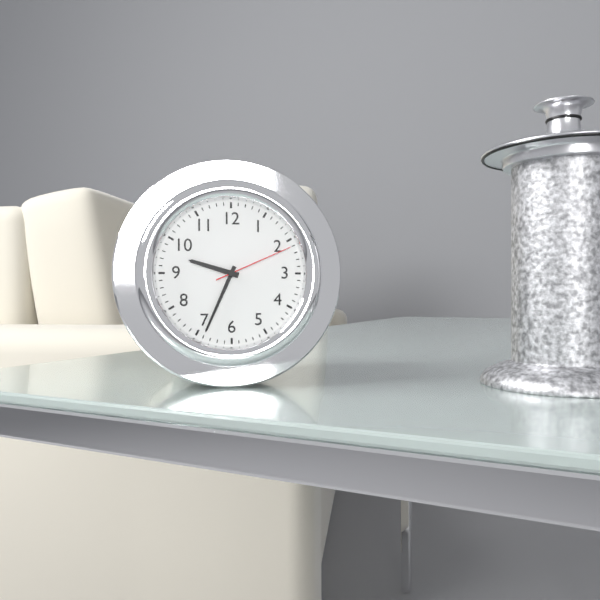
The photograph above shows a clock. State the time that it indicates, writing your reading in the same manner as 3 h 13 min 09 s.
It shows 9 h 34 min 11 s
